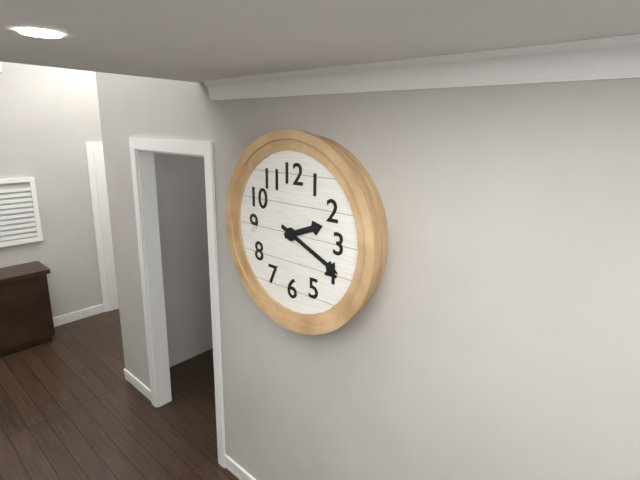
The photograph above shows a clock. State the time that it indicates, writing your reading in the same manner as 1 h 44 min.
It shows 2 h 19 min
